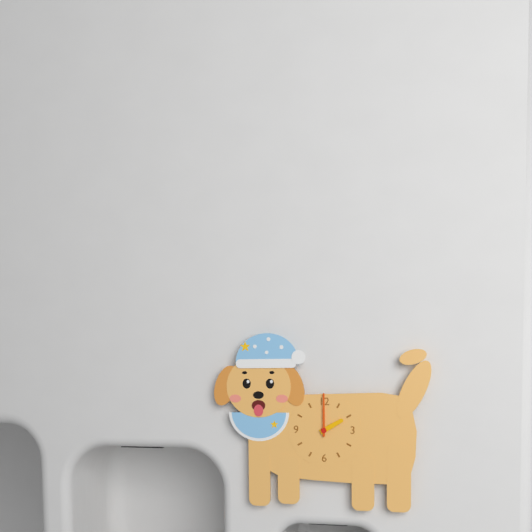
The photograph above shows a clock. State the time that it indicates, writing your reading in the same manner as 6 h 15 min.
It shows 2 h 00 min
